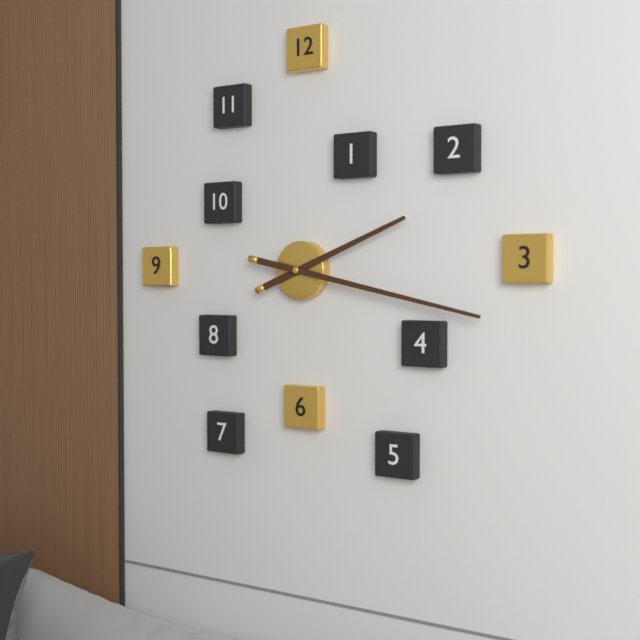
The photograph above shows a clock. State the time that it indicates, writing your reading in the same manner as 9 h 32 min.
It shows 2 h 17 min
